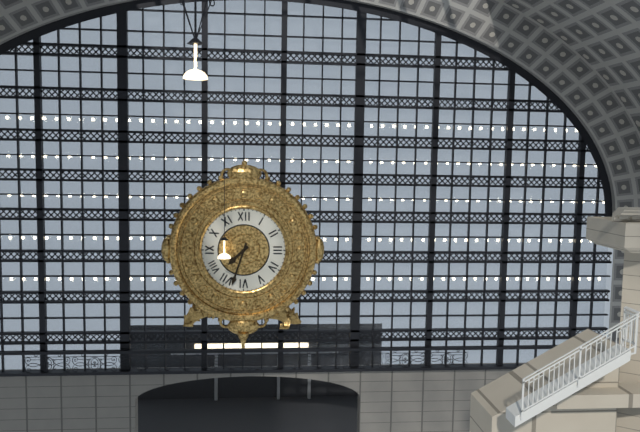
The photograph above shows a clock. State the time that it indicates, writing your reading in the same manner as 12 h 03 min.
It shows 7 h 33 min
